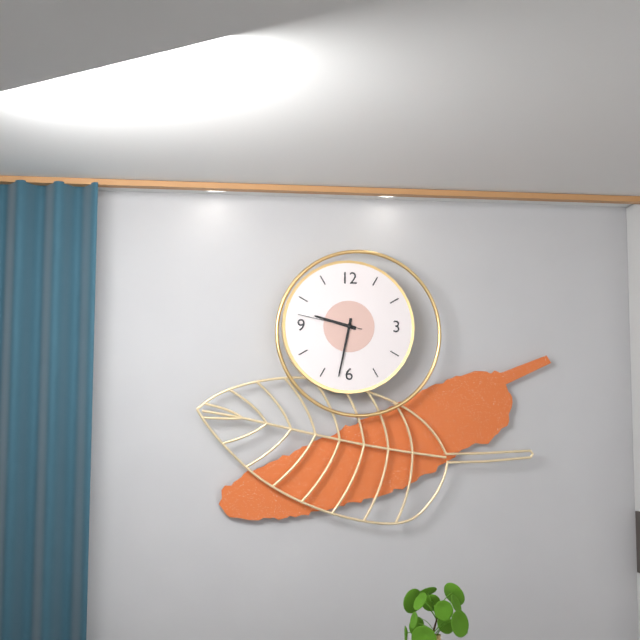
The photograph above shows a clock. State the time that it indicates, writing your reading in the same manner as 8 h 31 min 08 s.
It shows 9 h 32 min 47 s
